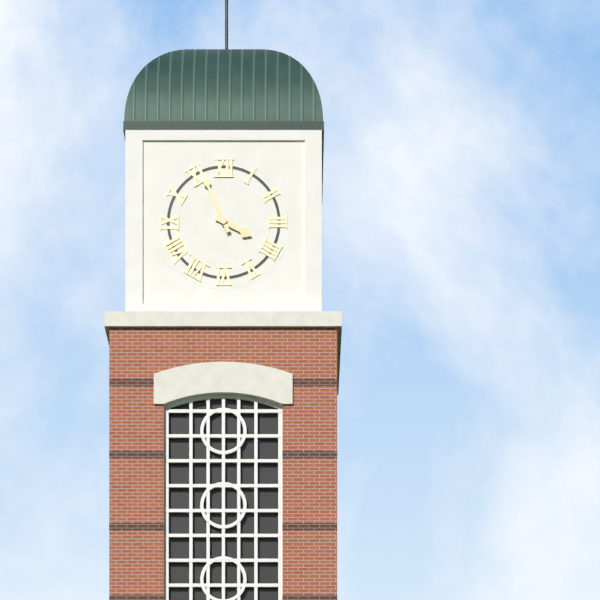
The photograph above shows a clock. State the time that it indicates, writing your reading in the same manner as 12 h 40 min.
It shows 3 h 56 min
